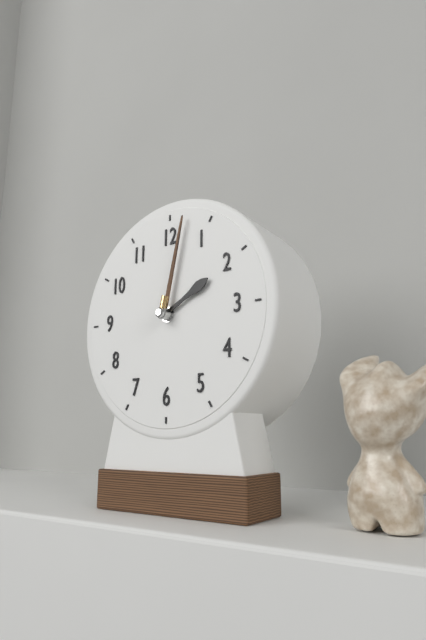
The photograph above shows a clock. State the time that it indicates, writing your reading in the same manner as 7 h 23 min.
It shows 2 h 02 min
